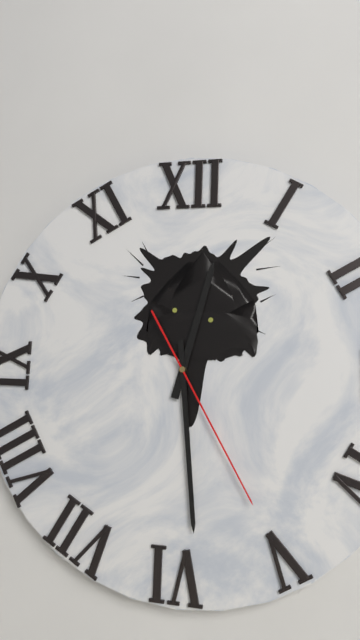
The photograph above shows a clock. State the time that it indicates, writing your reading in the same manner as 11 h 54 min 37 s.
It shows 12 h 29 min 25 s
